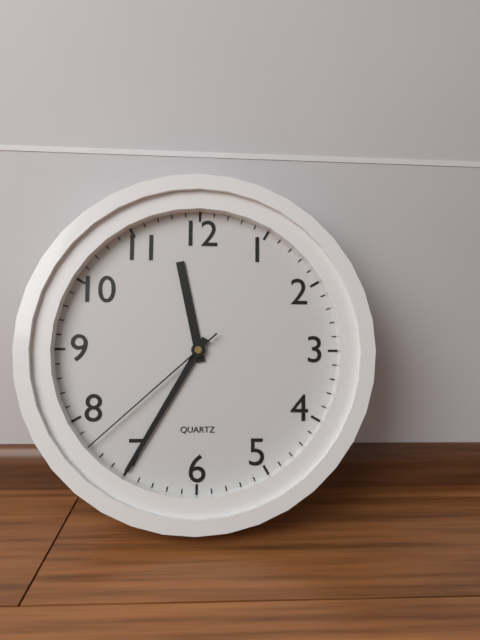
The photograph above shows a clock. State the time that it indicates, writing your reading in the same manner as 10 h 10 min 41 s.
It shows 11 h 35 min 38 s
